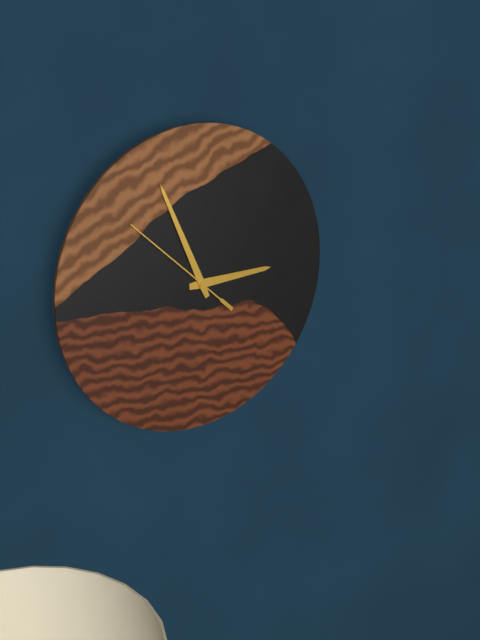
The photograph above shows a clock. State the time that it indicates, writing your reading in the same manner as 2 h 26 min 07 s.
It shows 2 h 56 min 52 s
